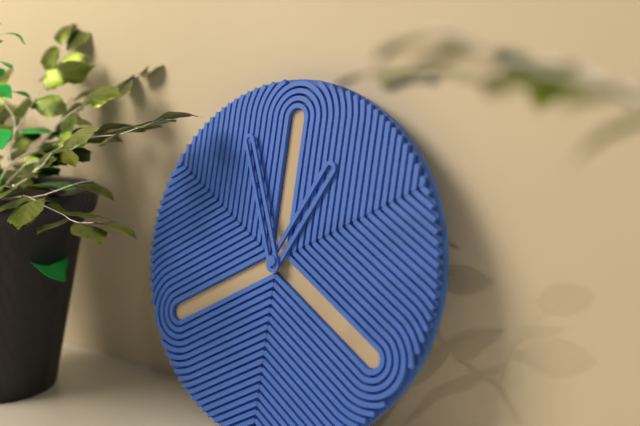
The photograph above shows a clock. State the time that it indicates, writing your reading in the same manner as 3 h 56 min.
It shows 12 h 56 min
